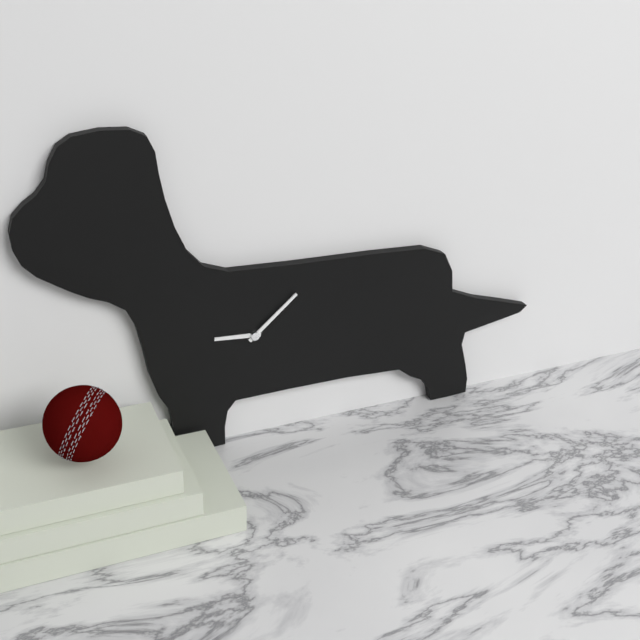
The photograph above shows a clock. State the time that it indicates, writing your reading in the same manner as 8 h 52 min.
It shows 9 h 08 min
